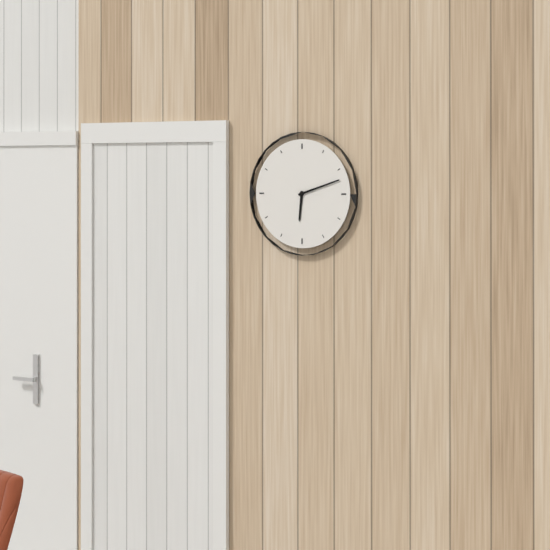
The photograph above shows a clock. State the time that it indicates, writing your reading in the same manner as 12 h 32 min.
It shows 6 h 12 min
